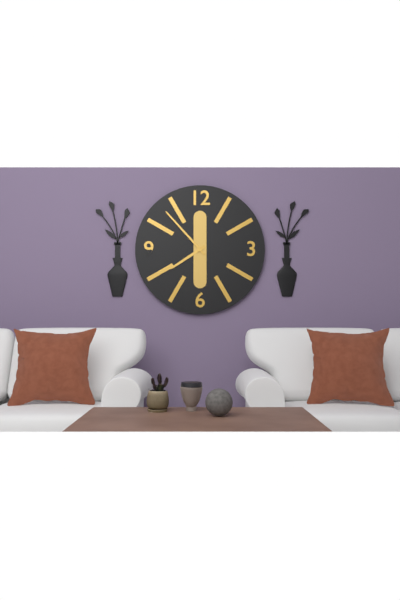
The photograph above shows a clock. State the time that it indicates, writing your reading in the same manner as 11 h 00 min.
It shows 7 h 53 min
